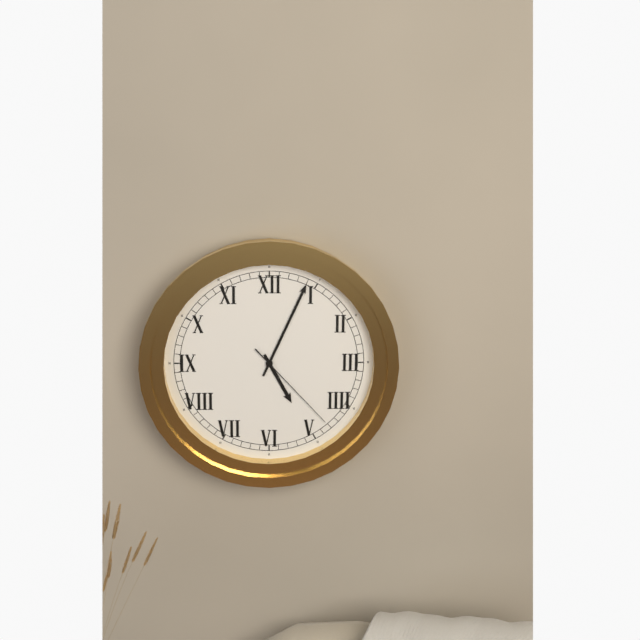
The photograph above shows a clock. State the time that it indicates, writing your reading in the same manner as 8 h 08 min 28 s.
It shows 5 h 04 min 23 s
